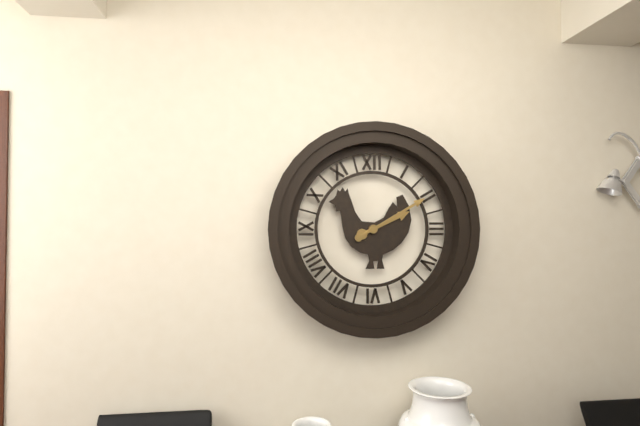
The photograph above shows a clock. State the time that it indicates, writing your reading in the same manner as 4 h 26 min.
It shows 2 h 10 min
